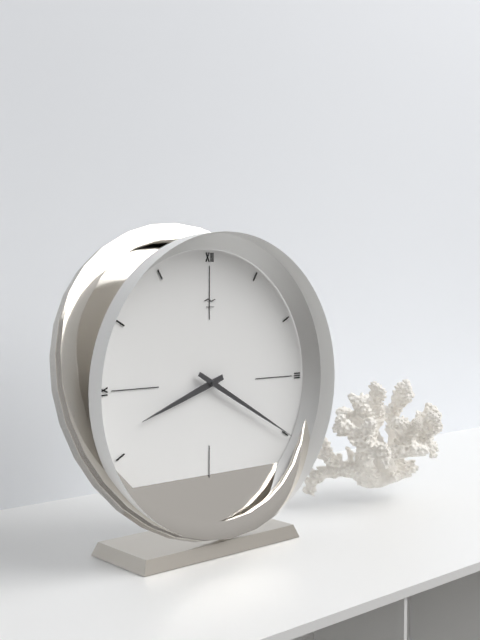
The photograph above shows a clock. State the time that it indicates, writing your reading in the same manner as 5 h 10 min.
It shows 8 h 20 min
